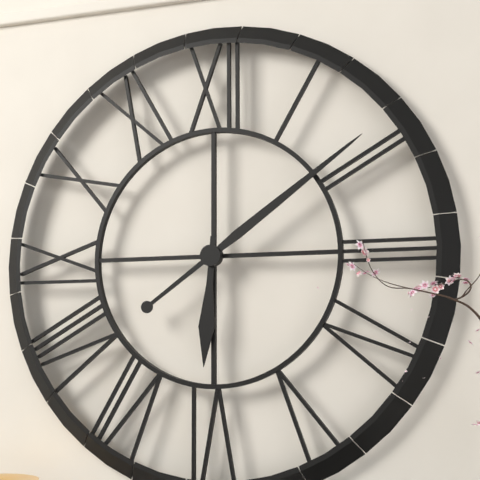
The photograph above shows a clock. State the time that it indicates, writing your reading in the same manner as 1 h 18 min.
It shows 6 h 09 min
